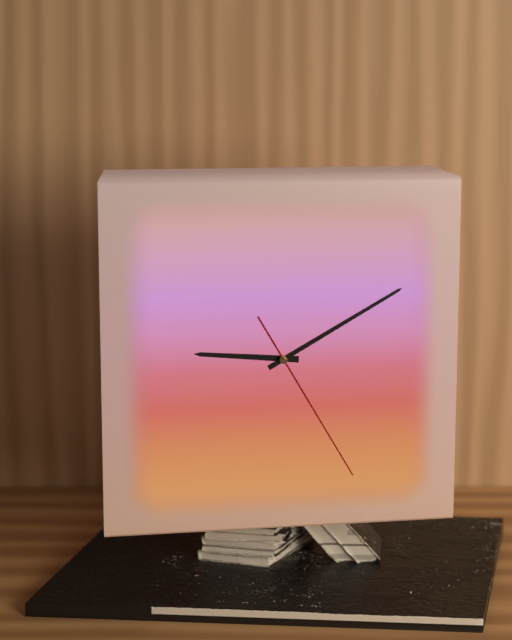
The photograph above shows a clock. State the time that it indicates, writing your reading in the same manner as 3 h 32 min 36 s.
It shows 9 h 10 min 25 s
